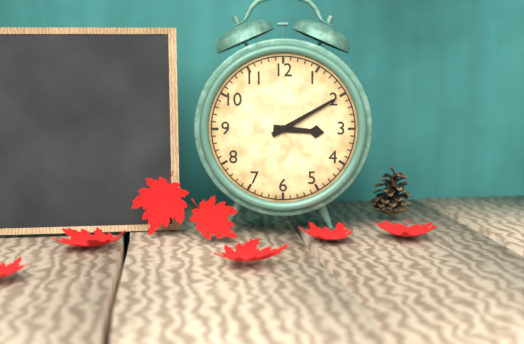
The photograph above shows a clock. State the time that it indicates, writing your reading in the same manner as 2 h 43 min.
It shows 3 h 10 min
